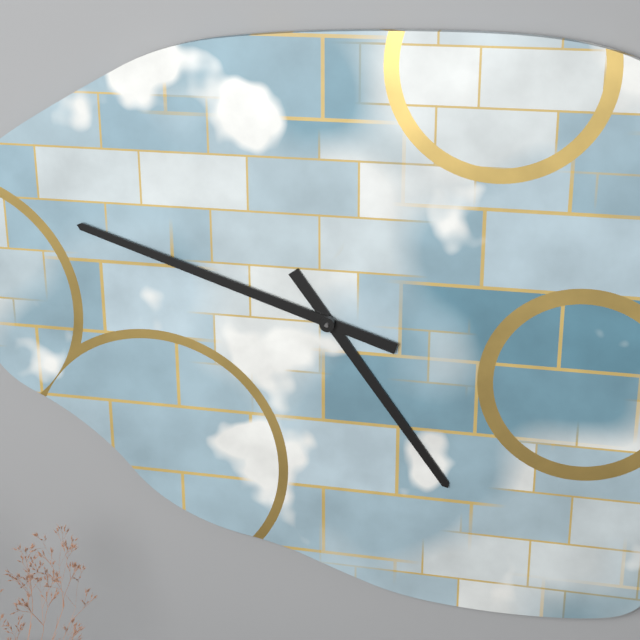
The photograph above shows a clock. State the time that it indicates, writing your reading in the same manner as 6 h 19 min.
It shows 4 h 48 min
